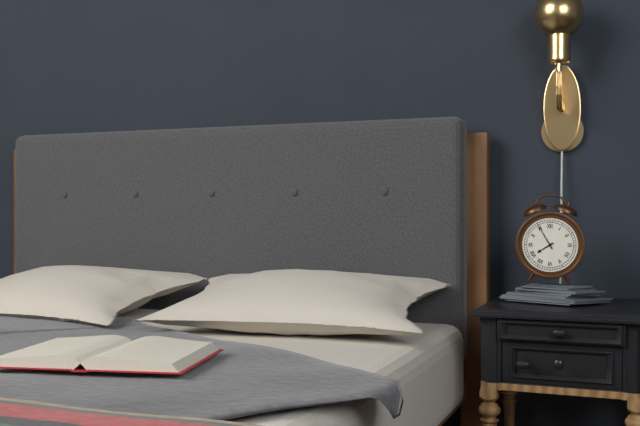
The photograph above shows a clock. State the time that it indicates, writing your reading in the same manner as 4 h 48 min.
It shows 7 h 55 min
